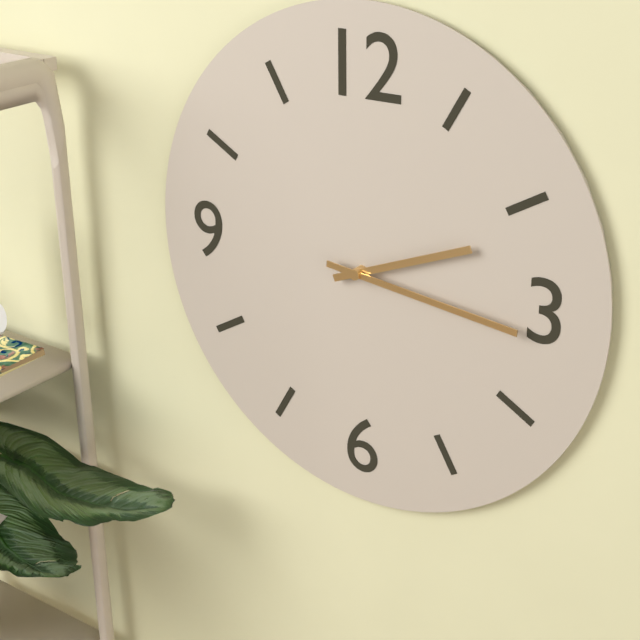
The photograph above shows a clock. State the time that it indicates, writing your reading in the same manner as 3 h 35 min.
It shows 2 h 16 min
